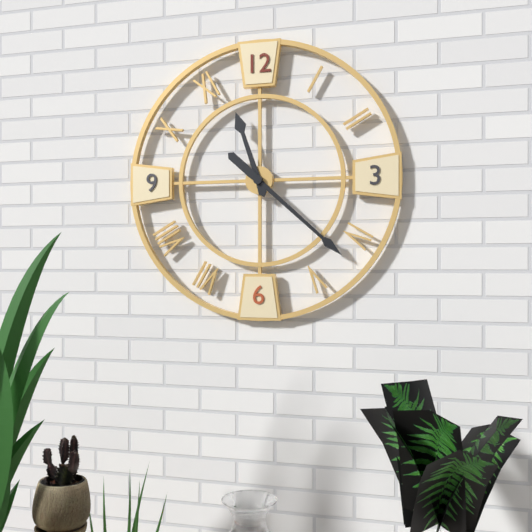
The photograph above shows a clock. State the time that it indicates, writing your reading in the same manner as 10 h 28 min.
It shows 11 h 22 min
